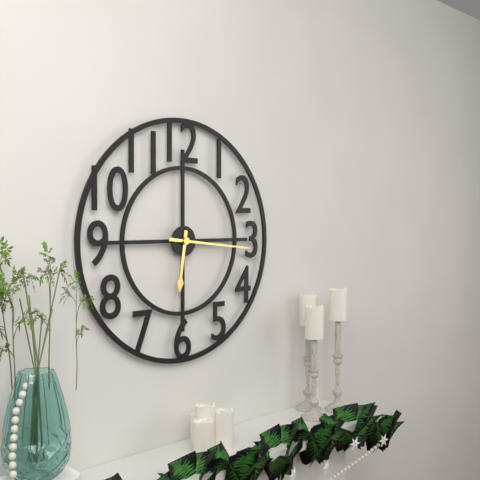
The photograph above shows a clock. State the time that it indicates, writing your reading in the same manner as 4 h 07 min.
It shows 6 h 16 min
